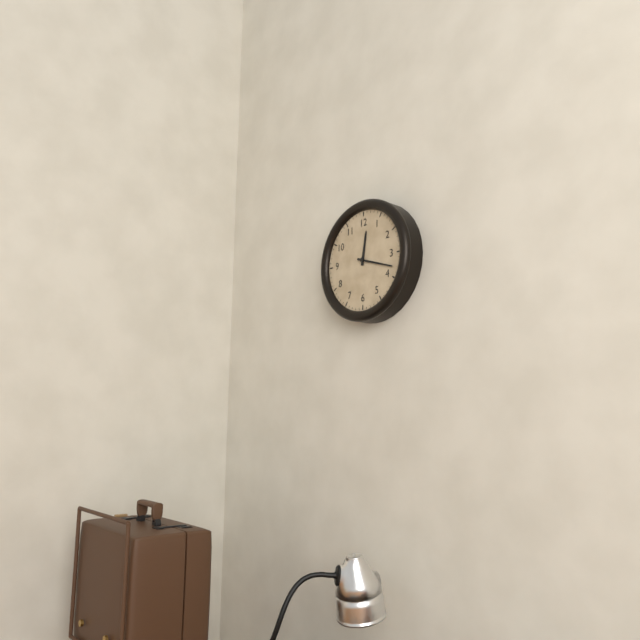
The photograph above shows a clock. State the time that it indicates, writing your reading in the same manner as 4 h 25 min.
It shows 12 h 18 min
